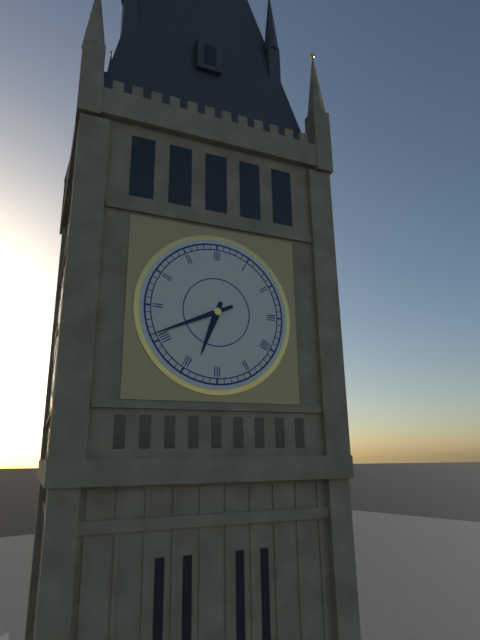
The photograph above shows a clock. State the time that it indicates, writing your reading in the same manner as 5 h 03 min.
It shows 6 h 41 min
